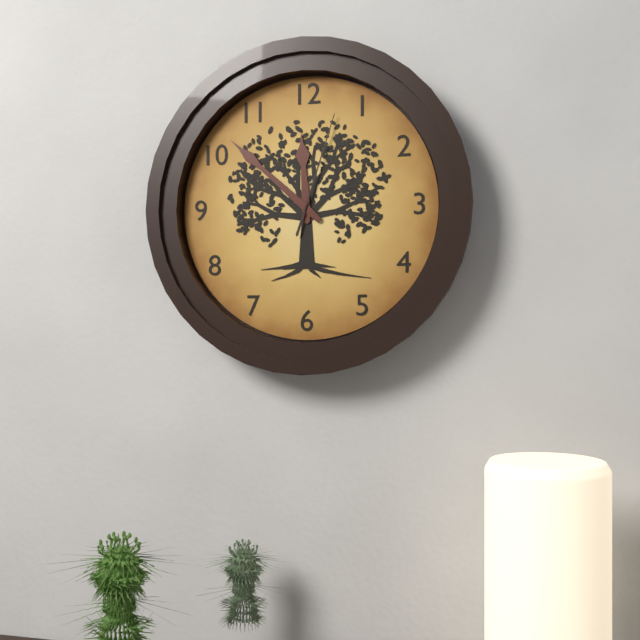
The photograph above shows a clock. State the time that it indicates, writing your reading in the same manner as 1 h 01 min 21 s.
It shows 11 h 52 min 03 s
